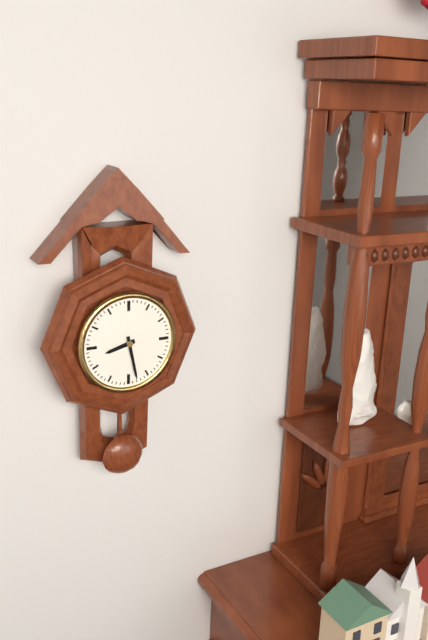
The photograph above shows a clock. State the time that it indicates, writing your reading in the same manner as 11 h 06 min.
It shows 8 h 28 min
